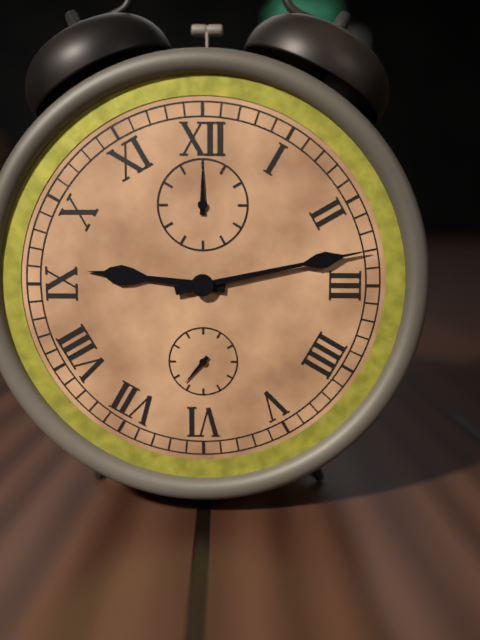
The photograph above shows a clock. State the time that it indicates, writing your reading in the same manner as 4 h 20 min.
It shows 9 h 13 min
